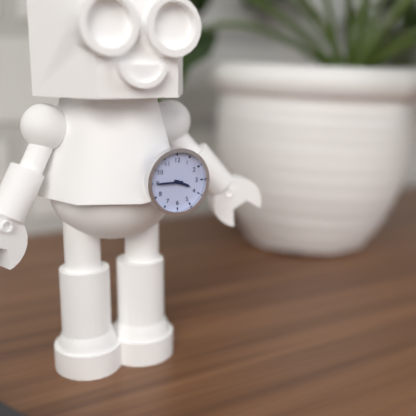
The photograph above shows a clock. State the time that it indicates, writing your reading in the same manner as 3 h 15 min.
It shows 3 h 45 min
